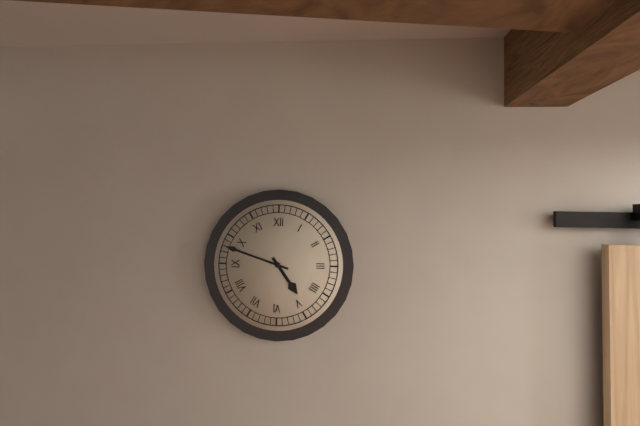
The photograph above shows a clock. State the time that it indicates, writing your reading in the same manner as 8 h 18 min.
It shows 4 h 48 min
